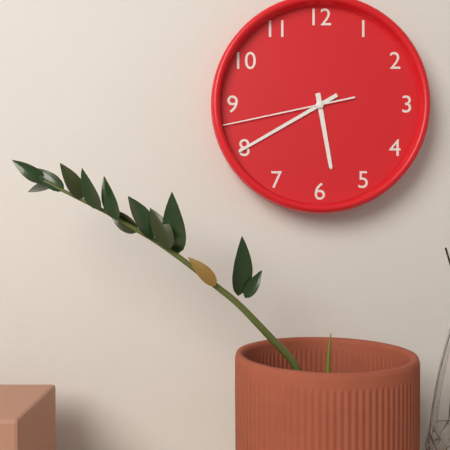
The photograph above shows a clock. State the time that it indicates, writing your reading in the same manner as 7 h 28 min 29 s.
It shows 5 h 40 min 43 s
